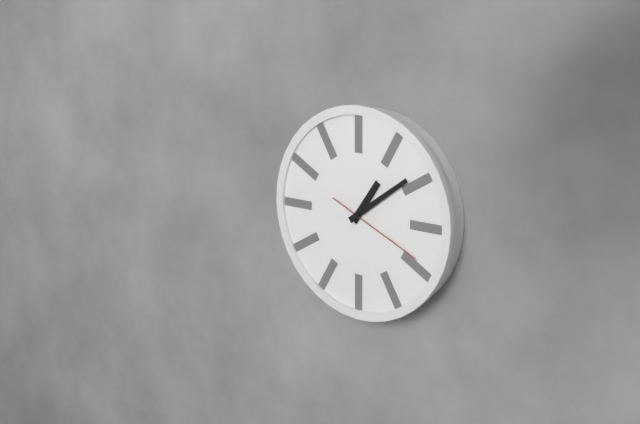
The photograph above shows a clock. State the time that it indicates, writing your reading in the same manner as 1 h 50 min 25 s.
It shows 1 h 09 min 19 s
